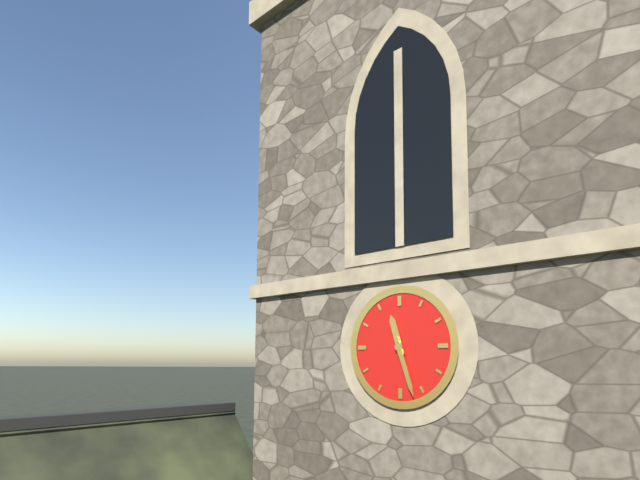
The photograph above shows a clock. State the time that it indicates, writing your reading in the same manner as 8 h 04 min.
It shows 11 h 27 min
